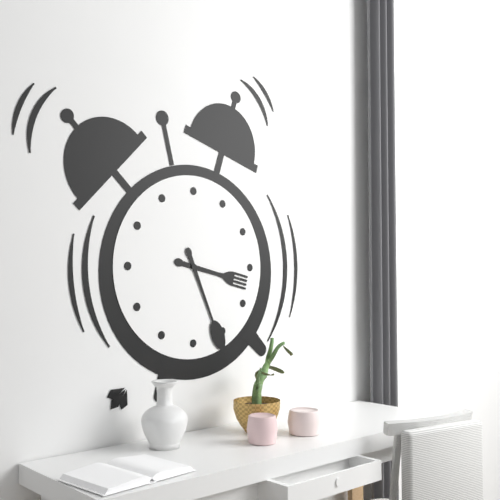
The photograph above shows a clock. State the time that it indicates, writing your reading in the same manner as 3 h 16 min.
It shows 3 h 26 min
